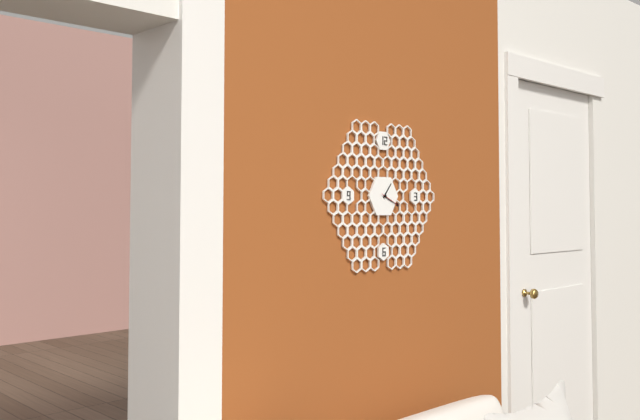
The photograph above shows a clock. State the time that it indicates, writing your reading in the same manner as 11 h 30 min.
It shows 1 h 19 min
